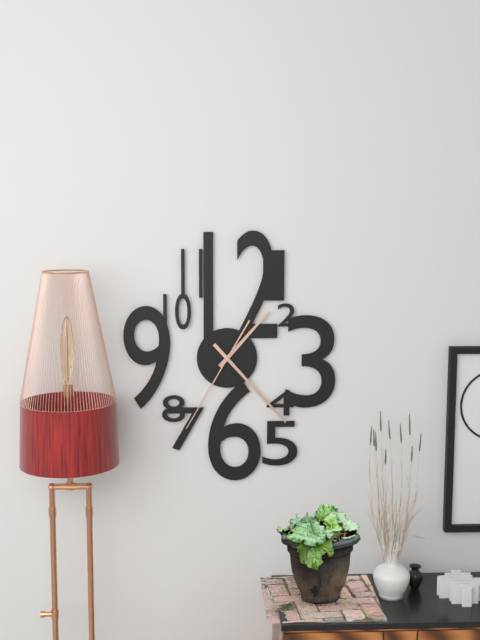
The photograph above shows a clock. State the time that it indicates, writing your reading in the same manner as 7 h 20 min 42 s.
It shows 1 h 23 min 35 s
